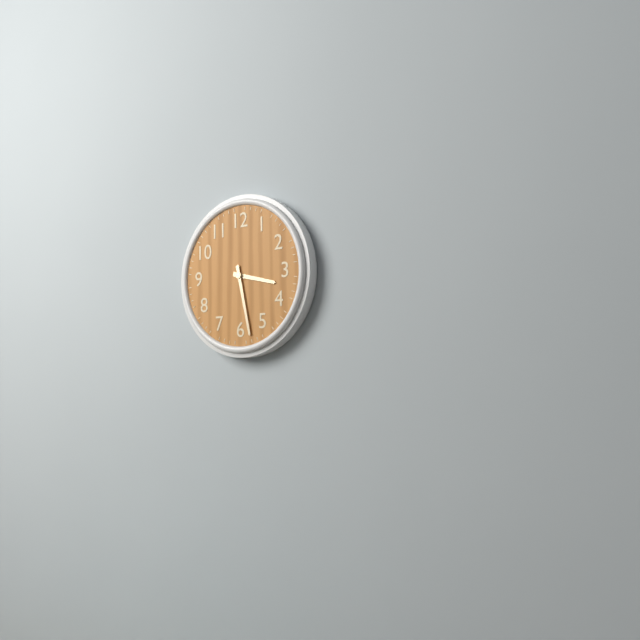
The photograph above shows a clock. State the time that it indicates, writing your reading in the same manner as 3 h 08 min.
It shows 3 h 28 min
